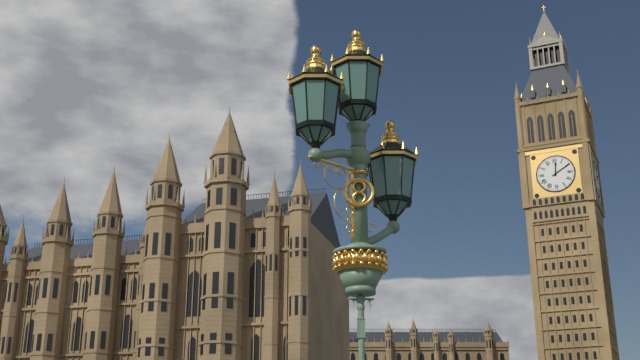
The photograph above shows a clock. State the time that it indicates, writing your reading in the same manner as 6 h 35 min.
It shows 12 h 10 min
